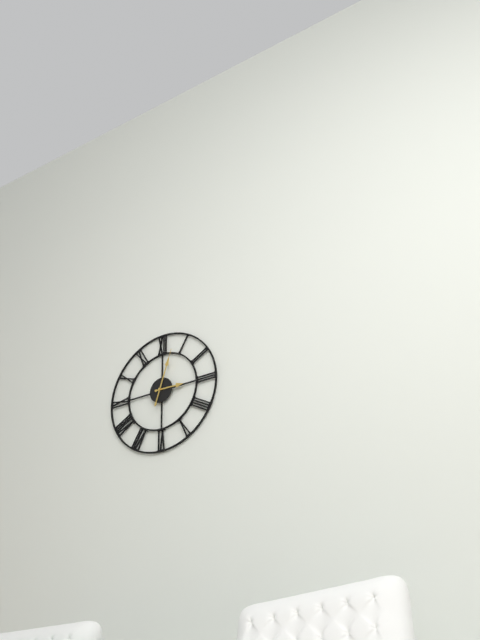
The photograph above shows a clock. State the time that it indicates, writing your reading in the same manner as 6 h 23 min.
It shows 3 h 03 min
